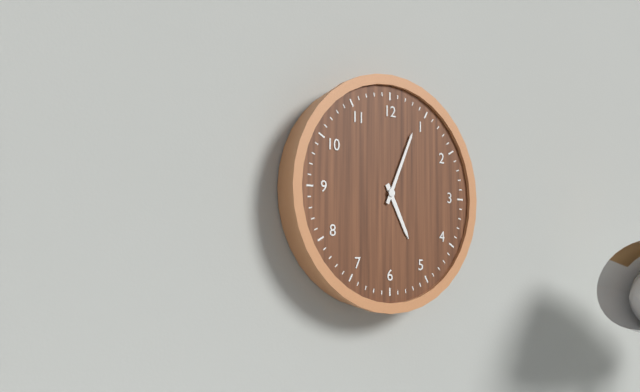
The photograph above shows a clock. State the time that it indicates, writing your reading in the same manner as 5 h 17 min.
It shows 5 h 04 min
